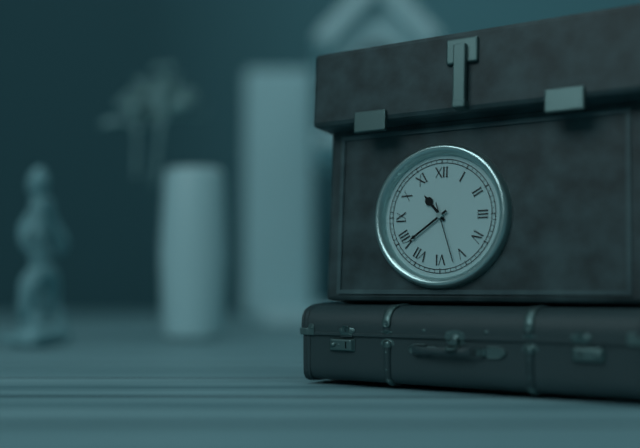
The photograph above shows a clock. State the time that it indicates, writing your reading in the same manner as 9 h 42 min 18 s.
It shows 10 h 39 min 27 s
